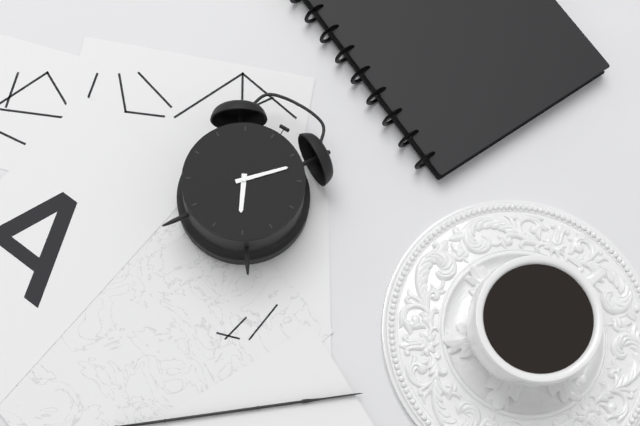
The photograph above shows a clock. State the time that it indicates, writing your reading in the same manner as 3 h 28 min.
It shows 5 h 07 min
